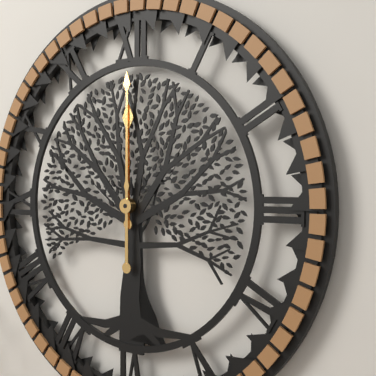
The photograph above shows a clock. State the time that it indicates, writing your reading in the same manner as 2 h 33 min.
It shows 12 h 00 min
